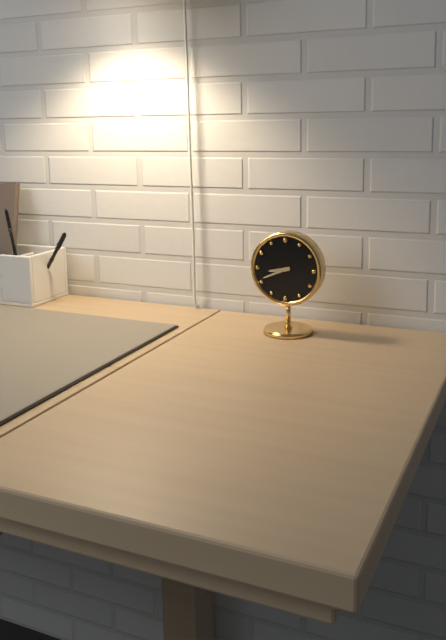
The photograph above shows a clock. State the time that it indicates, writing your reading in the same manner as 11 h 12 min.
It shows 8 h 41 min
